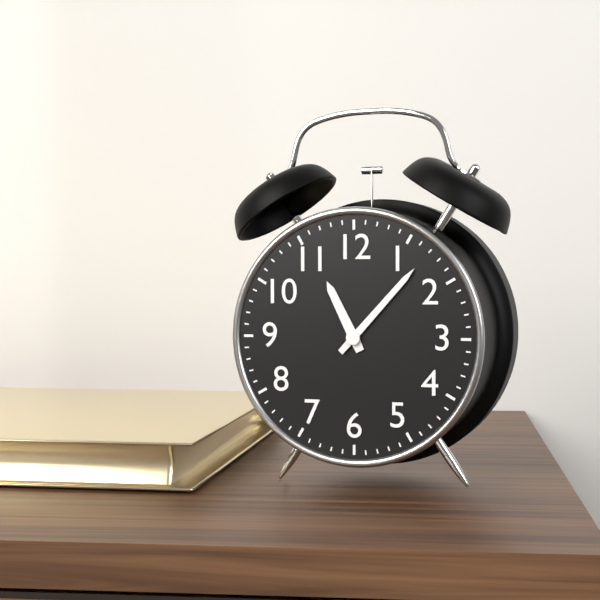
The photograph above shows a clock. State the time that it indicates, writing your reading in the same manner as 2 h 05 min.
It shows 11 h 07 min
